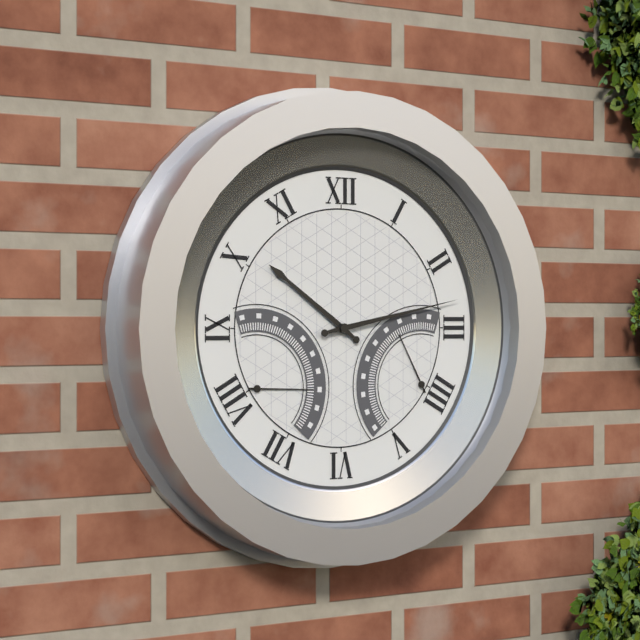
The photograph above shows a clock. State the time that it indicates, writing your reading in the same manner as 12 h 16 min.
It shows 10 h 13 min
